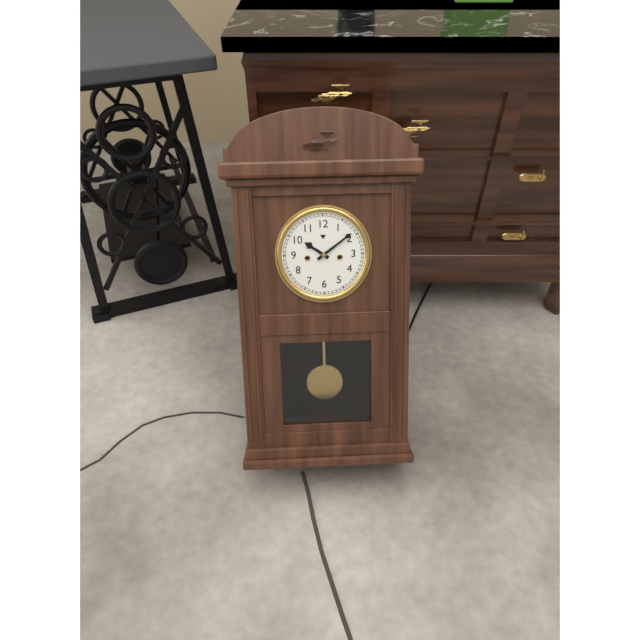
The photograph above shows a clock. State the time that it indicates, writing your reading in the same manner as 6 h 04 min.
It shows 10 h 09 min
